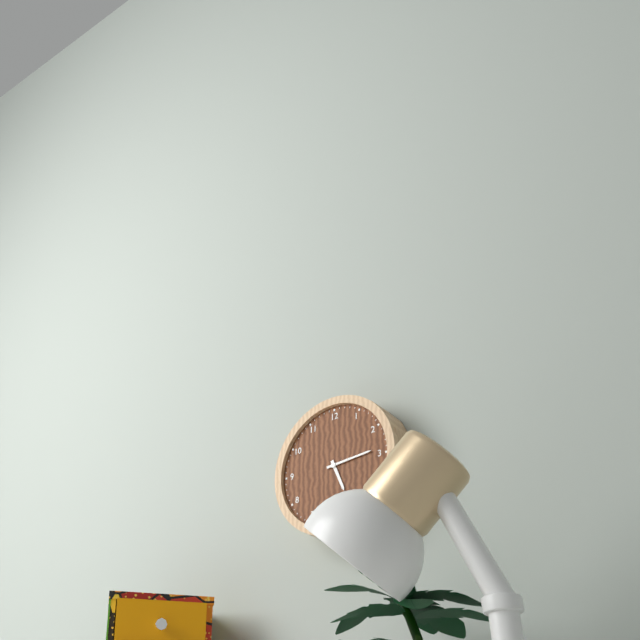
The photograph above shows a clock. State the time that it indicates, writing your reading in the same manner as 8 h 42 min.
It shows 5 h 14 min
